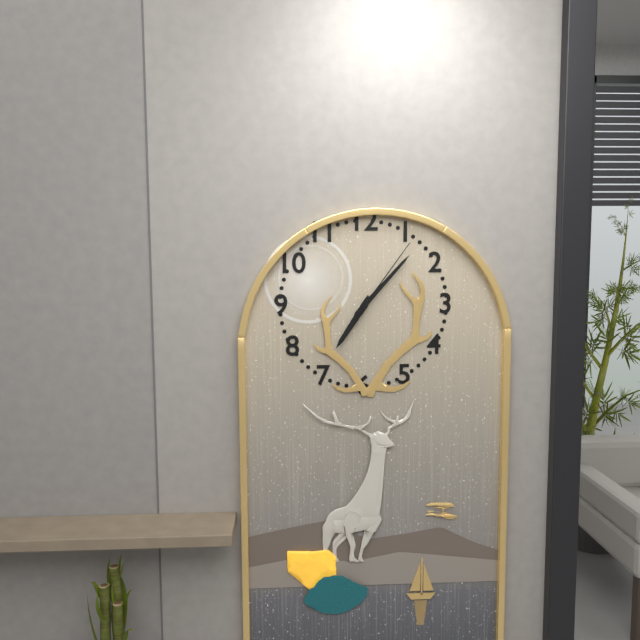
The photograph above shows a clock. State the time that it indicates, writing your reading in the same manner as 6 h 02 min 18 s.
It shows 7 h 07 min 06 s
